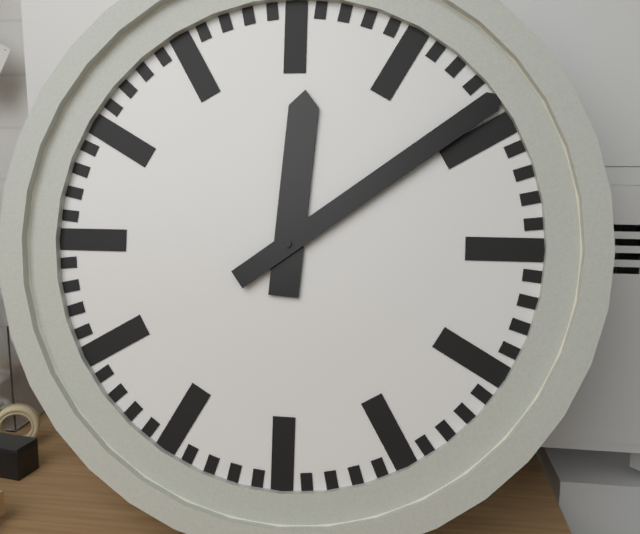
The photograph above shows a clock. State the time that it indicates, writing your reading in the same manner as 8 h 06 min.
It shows 12 h 09 min
